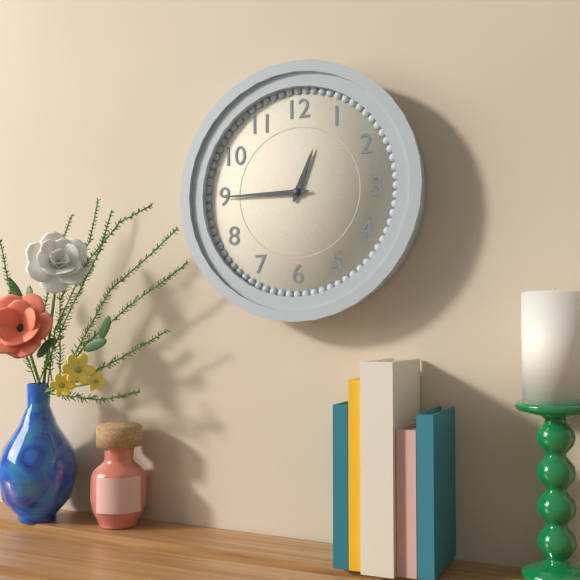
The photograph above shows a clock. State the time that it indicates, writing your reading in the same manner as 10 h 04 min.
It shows 12 h 45 min
